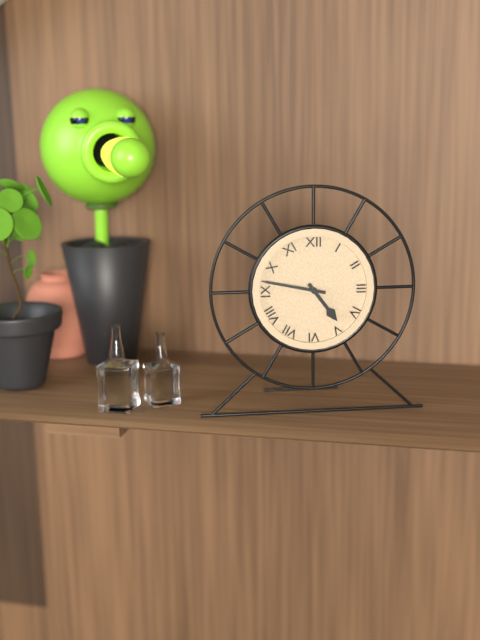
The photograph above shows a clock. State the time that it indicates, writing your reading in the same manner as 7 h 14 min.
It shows 4 h 47 min
